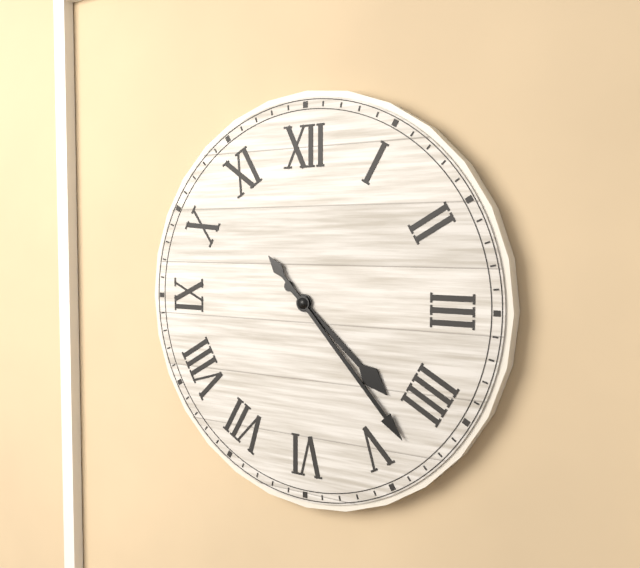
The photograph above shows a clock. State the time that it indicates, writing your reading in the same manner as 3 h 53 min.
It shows 4 h 23 min
